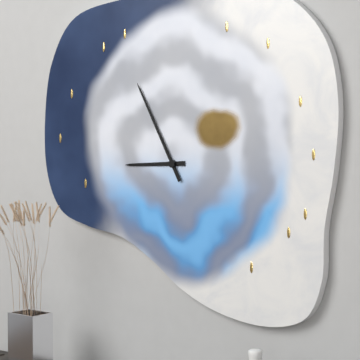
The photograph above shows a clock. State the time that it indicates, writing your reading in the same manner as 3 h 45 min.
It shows 8 h 55 min
